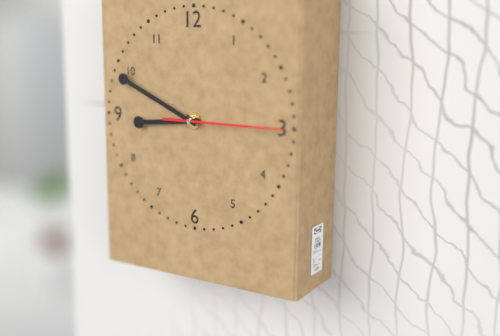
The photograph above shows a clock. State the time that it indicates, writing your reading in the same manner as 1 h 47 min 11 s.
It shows 8 h 49 min 15 s
